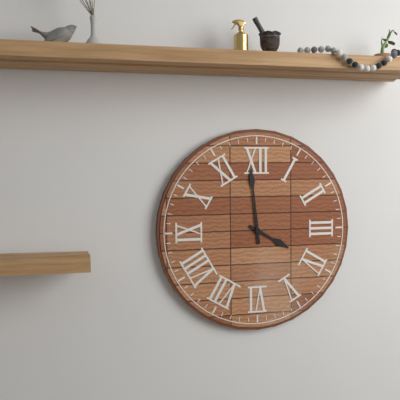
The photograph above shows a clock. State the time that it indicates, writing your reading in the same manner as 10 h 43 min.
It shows 3 h 59 min
